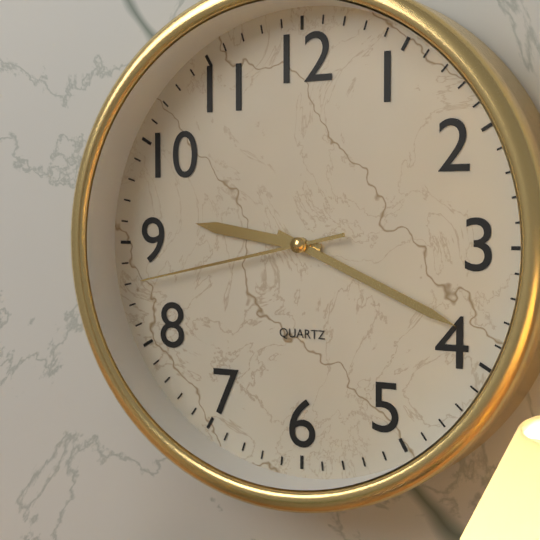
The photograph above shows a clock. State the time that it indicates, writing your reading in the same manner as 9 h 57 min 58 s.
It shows 9 h 19 min 43 s
